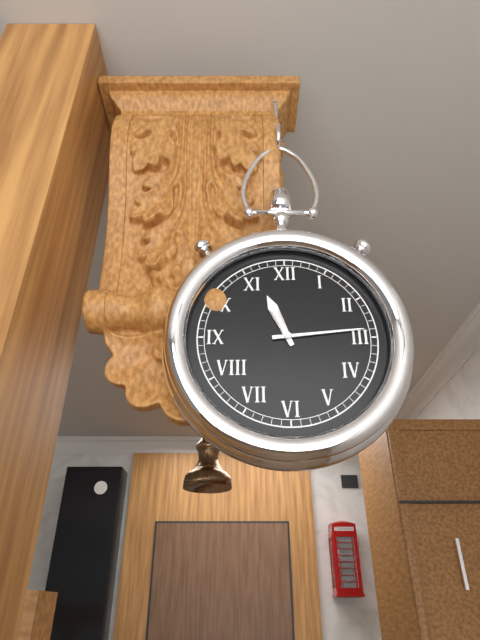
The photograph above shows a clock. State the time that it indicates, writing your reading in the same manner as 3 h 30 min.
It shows 11 h 14 min
